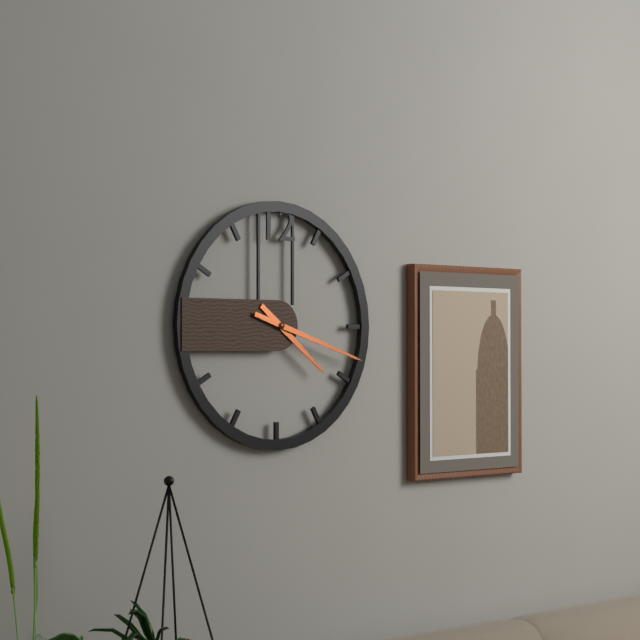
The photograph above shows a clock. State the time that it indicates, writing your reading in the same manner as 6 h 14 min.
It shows 4 h 18 min
